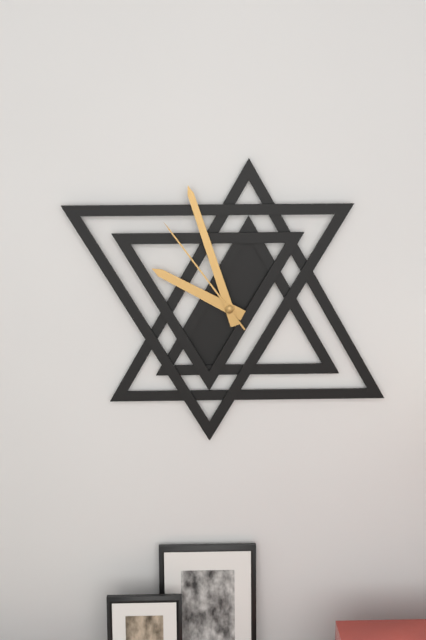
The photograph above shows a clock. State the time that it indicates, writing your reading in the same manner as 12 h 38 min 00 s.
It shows 9 h 57 min 54 s
